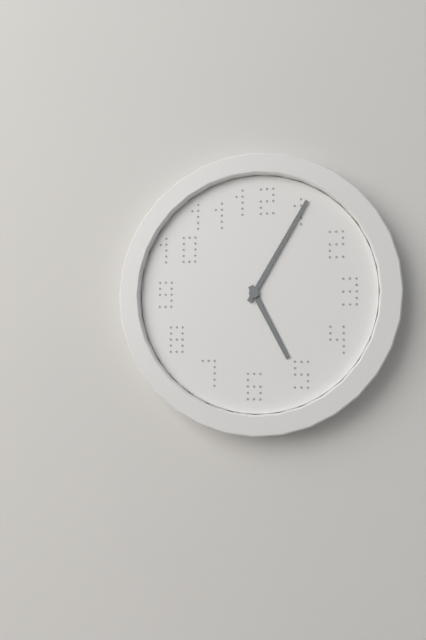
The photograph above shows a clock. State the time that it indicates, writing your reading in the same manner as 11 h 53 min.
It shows 5 h 05 min
